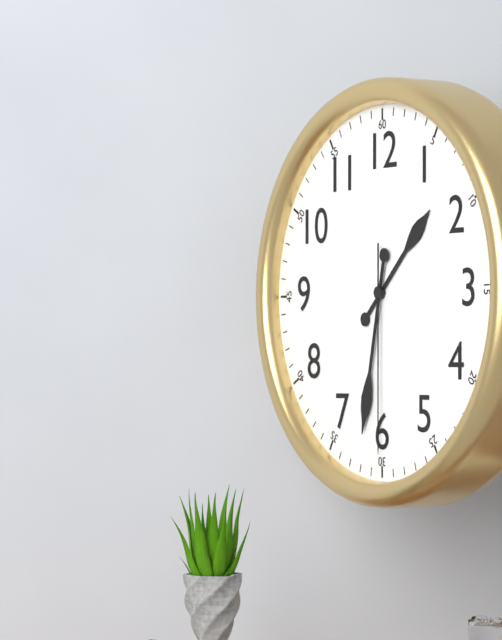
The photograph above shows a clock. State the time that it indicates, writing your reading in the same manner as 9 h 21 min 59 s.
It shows 1 h 32 min 30 s
